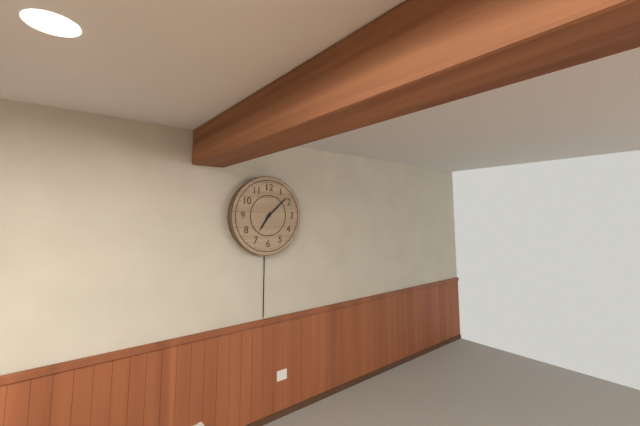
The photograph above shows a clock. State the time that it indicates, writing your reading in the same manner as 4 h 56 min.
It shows 7 h 08 min
